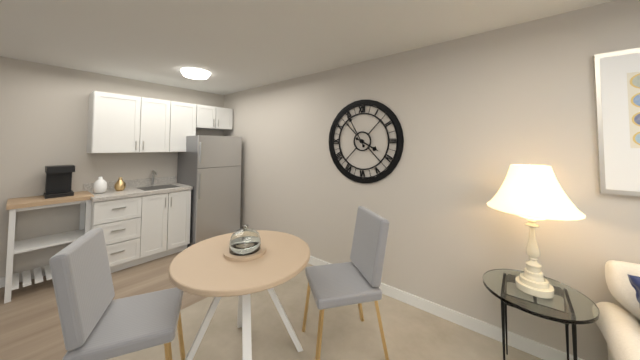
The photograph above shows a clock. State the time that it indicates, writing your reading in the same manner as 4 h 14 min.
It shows 3 h 55 min
